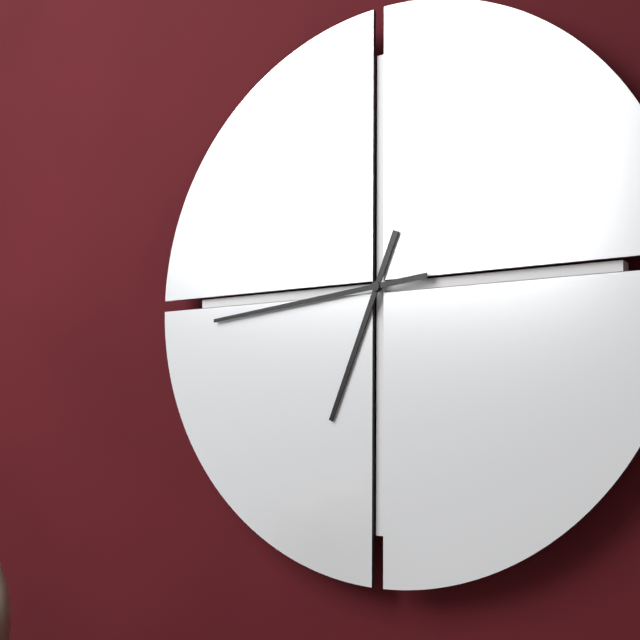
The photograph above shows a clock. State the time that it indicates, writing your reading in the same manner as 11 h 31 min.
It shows 6 h 44 min
